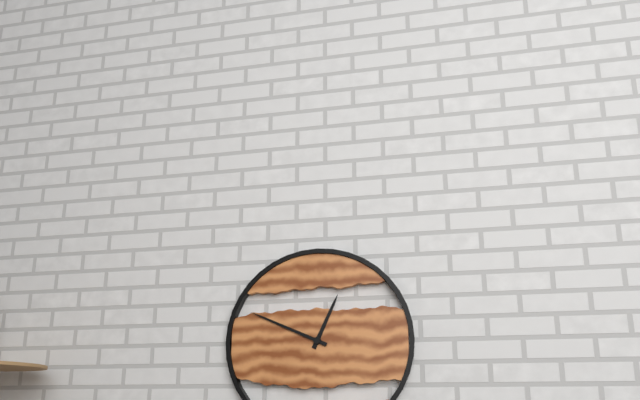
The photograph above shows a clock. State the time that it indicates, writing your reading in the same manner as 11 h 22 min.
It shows 12 h 49 min
